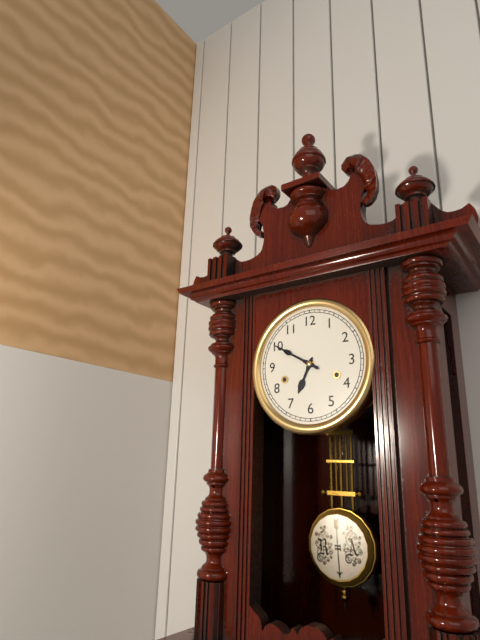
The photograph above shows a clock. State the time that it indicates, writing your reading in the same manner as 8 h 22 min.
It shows 6 h 50 min
